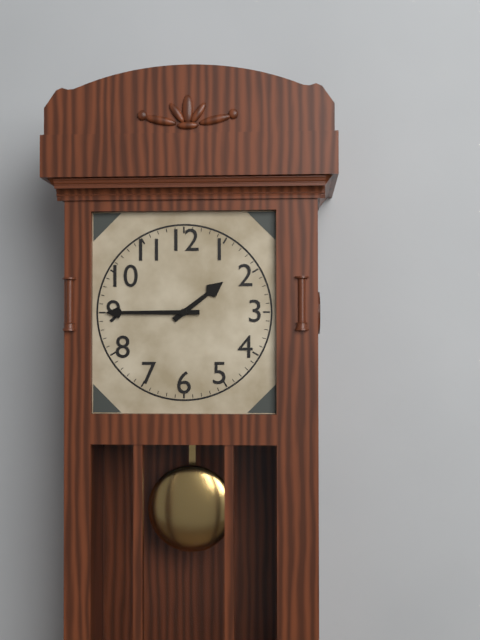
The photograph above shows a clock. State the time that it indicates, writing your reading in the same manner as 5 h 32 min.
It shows 1 h 45 min
